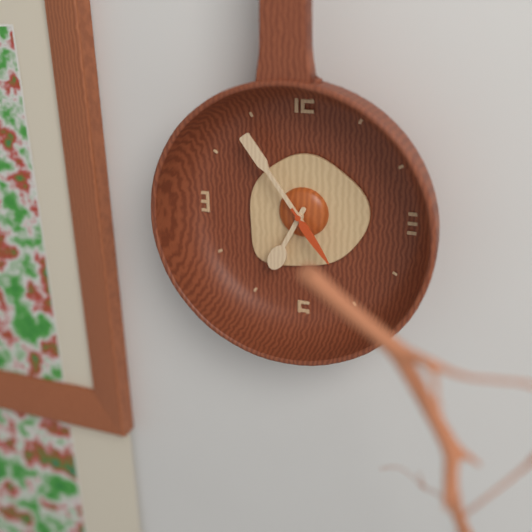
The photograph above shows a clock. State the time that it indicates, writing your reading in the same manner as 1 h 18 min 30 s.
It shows 6 h 54 min 24 s
